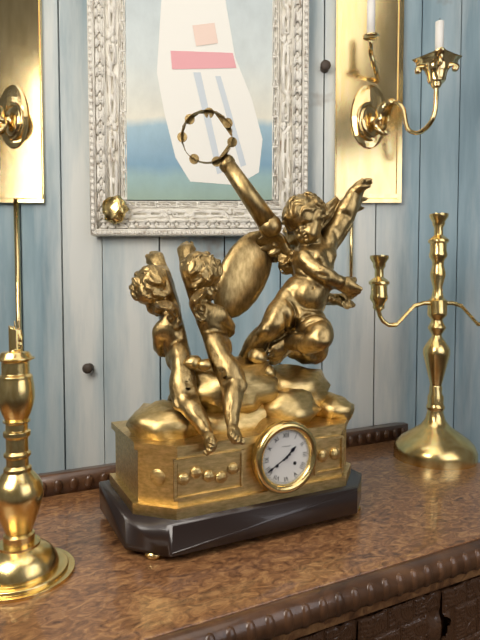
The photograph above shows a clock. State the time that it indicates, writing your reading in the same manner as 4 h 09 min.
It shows 1 h 40 min
